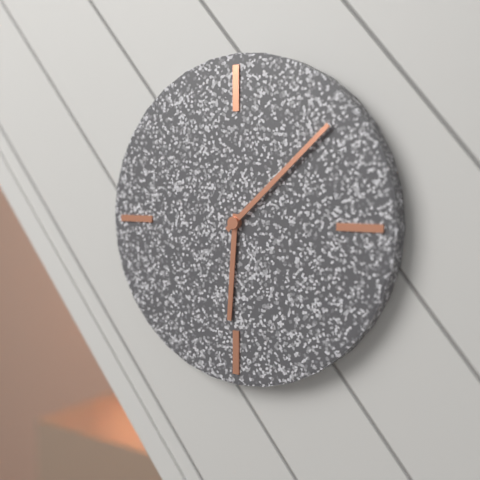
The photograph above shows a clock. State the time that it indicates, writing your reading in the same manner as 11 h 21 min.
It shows 6 h 08 min
